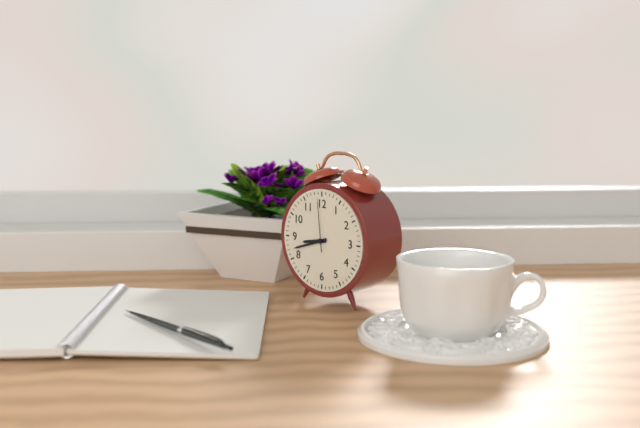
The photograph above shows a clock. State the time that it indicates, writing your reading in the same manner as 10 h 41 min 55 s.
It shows 8 h 42 min 59 s
